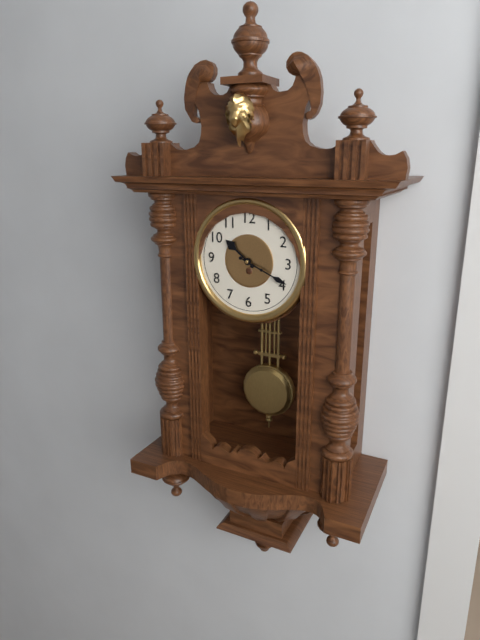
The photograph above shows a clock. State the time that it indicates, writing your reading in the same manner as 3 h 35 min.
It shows 10 h 19 min
